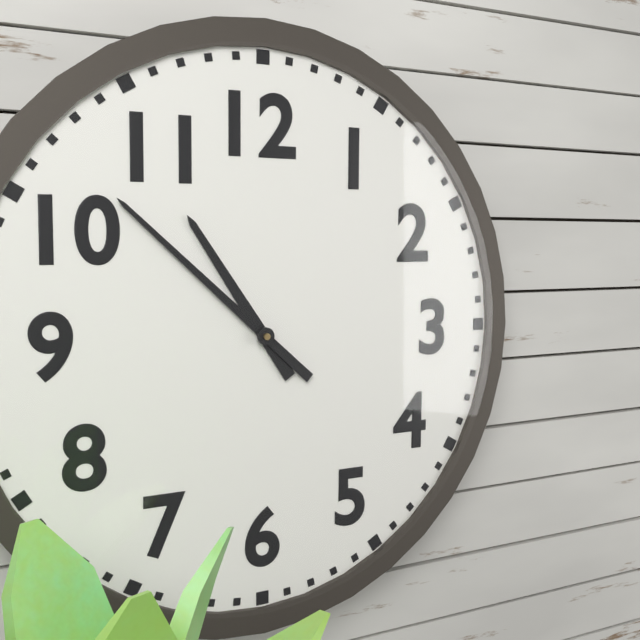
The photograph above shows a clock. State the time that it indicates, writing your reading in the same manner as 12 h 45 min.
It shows 10 h 52 min
